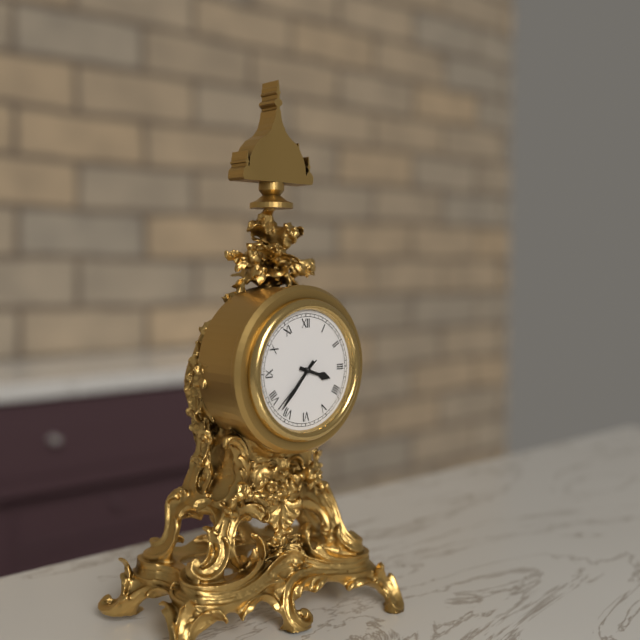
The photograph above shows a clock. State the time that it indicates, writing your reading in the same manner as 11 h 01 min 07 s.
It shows 3 h 37 min 38 s
